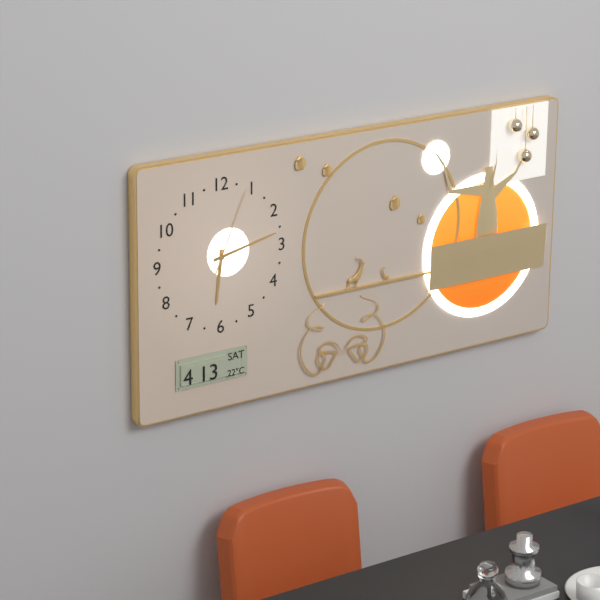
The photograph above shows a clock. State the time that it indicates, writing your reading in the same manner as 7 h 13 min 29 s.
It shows 6 h 13 min 04 s
